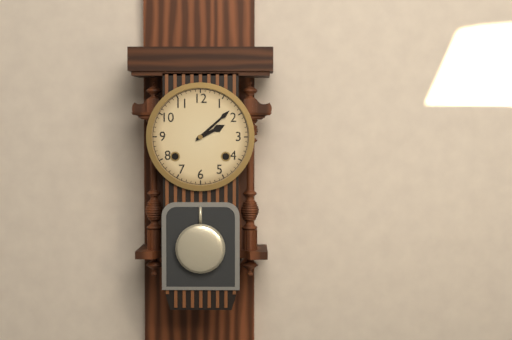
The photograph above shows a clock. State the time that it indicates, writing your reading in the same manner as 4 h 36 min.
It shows 2 h 08 min
